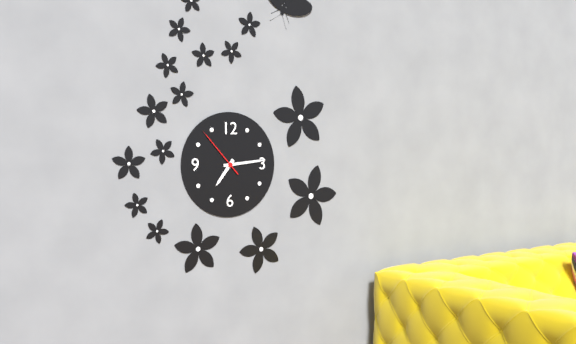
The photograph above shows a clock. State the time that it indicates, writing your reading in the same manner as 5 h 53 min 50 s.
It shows 7 h 14 min 53 s
